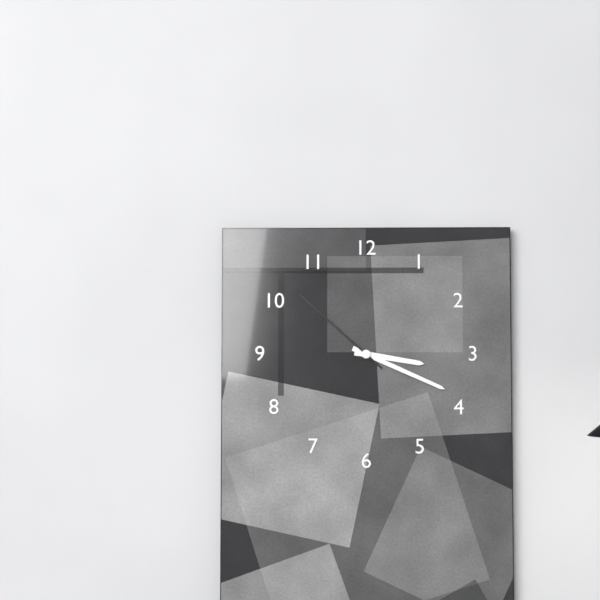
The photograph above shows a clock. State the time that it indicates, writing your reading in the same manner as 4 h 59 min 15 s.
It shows 3 h 19 min 52 s
